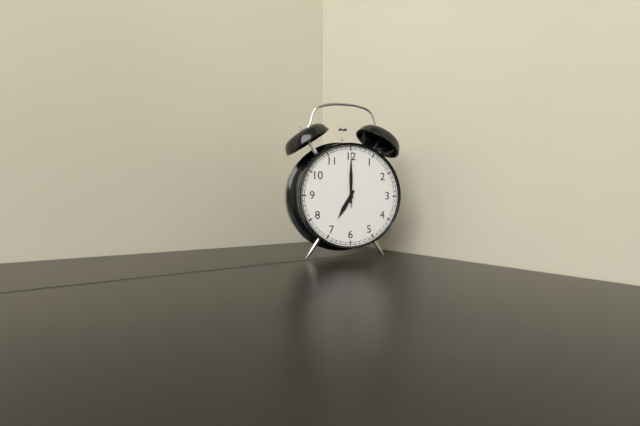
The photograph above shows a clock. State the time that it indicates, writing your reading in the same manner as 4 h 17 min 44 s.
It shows 7 h 00 min 00 s
